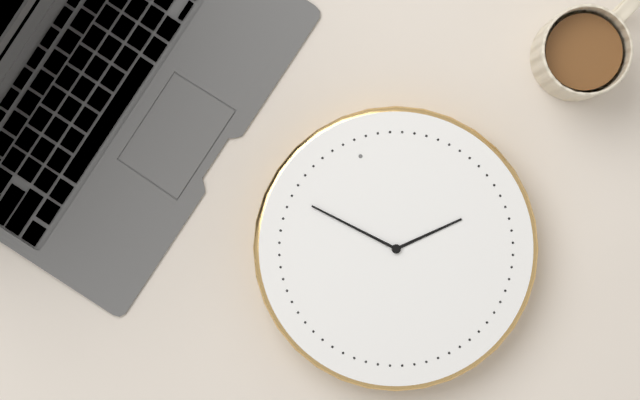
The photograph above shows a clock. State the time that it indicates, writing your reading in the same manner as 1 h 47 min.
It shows 2 h 53 min
